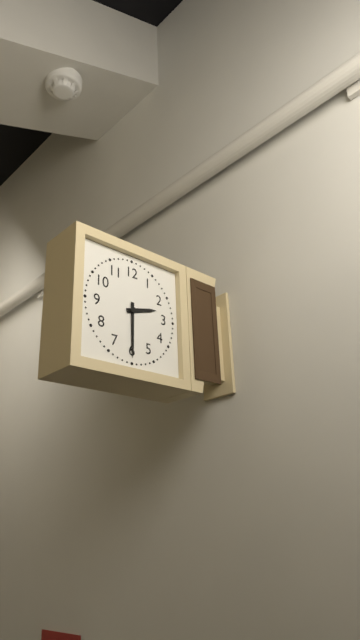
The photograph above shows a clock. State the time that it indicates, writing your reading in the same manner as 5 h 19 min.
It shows 2 h 30 min
